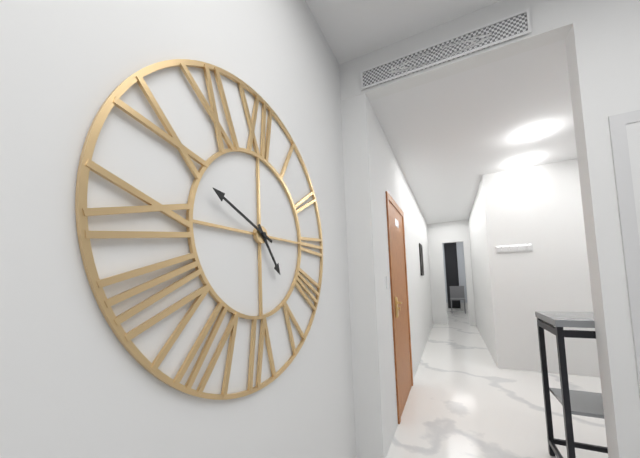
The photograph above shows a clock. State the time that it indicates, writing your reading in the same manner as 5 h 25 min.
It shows 4 h 49 min
